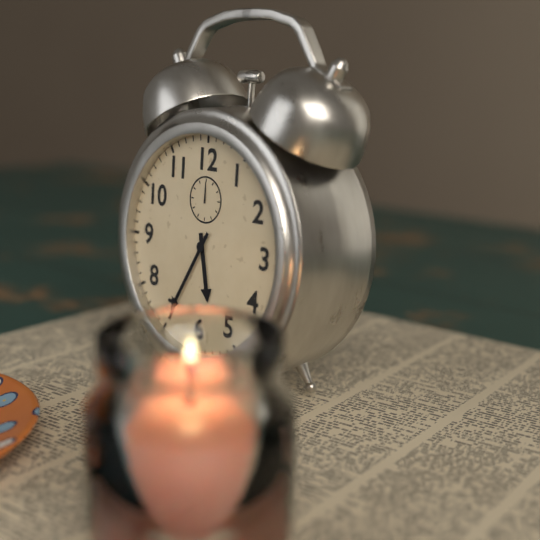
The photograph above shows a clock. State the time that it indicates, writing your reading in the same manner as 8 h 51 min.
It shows 5 h 35 min
